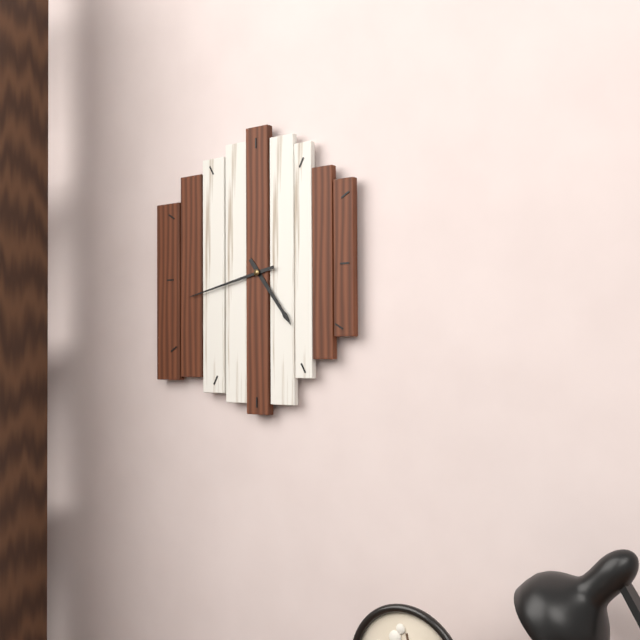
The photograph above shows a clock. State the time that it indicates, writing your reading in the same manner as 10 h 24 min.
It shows 4 h 43 min
